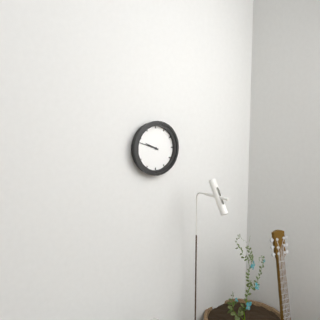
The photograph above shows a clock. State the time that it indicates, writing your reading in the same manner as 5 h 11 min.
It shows 9 h 48 min
